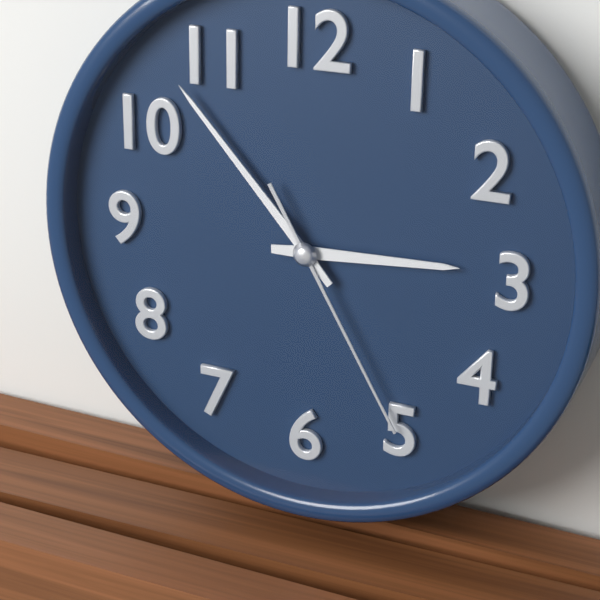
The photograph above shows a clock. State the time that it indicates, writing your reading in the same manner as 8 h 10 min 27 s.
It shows 2 h 53 min 25 s
